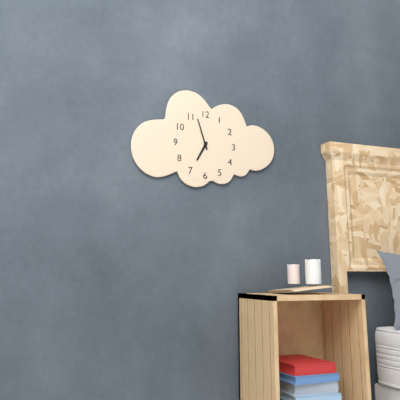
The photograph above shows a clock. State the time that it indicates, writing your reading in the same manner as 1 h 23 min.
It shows 6 h 57 min
